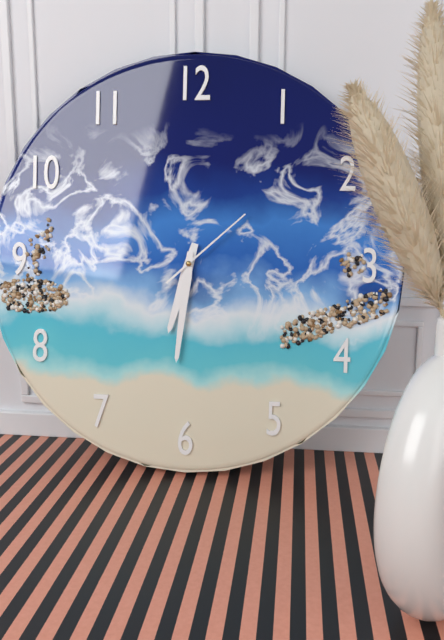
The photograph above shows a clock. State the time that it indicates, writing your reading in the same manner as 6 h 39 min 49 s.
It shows 6 h 31 min 08 s
